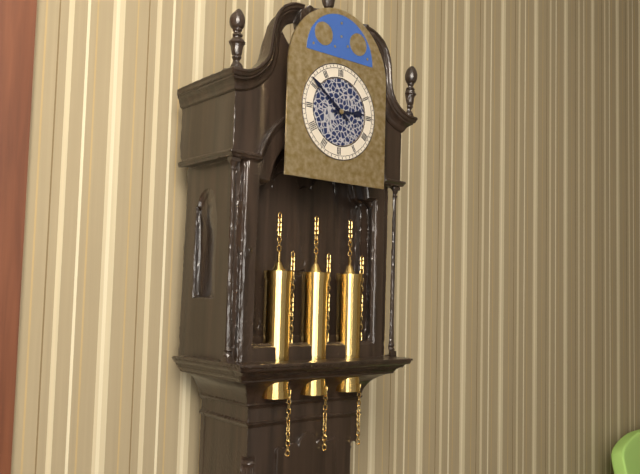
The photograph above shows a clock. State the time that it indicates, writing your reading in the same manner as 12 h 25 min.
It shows 2 h 51 min
